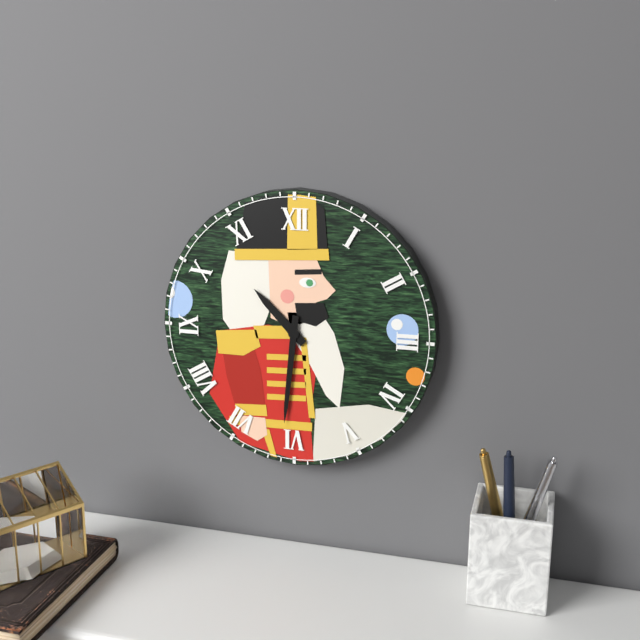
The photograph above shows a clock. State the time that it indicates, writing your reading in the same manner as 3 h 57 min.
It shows 10 h 31 min
